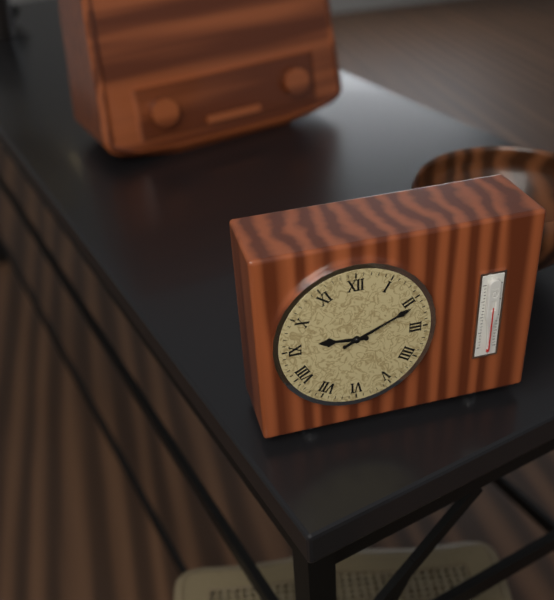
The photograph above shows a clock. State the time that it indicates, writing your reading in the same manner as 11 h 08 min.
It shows 9 h 11 min
